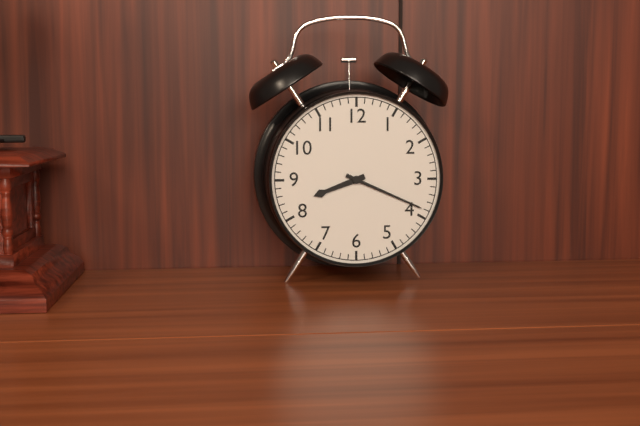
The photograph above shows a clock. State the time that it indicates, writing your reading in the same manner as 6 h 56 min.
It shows 8 h 19 min
